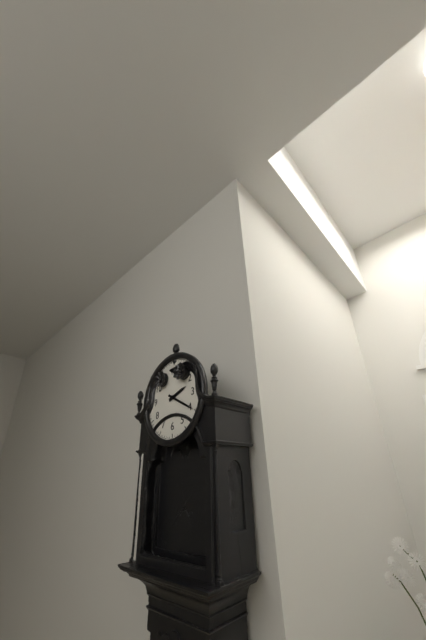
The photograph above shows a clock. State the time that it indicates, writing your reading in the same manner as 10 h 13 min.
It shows 2 h 20 min
